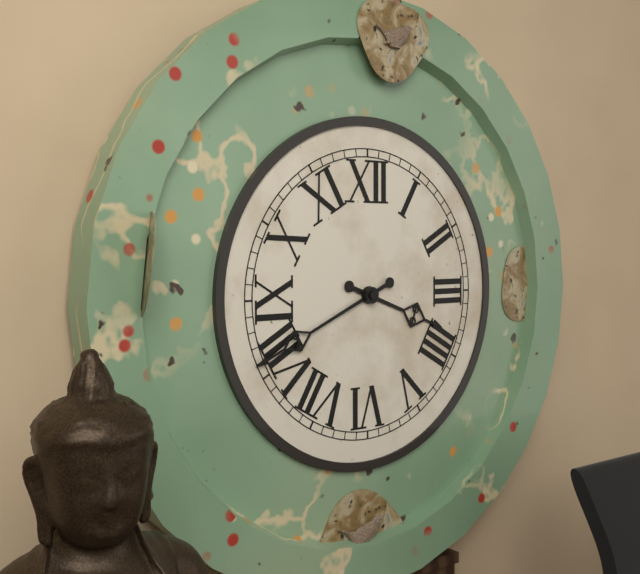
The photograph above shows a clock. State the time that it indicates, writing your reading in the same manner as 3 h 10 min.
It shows 3 h 41 min
